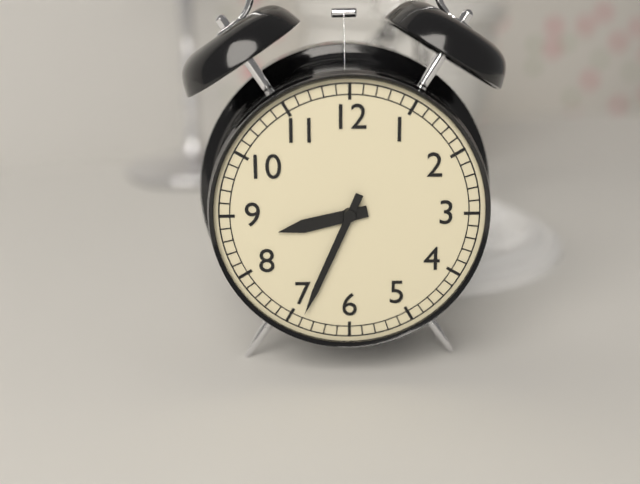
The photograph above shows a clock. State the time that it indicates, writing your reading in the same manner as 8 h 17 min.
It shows 8 h 34 min
